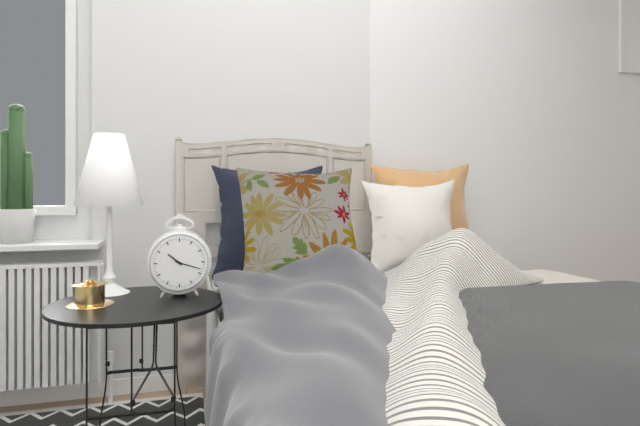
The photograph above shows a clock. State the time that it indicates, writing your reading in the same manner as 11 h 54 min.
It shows 10 h 18 min
